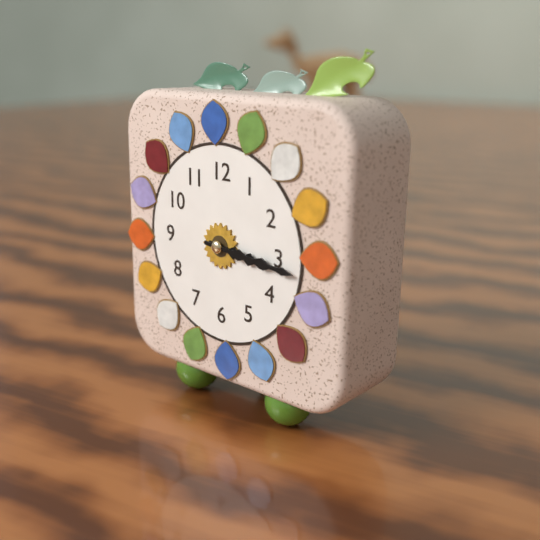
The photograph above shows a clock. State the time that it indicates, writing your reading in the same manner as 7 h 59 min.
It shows 3 h 16 min
